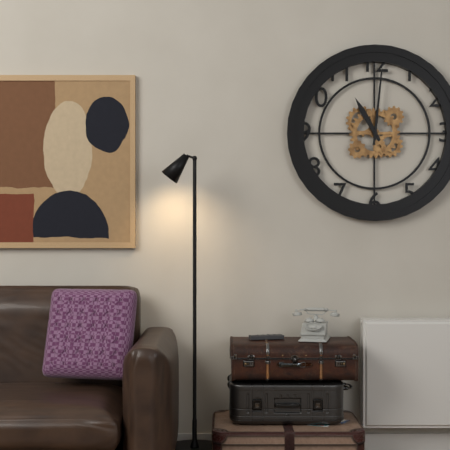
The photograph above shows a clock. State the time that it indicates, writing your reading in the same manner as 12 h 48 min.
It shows 11 h 01 min
